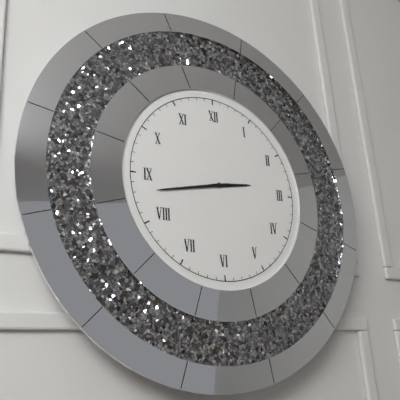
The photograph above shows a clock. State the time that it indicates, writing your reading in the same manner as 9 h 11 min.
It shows 2 h 43 min
